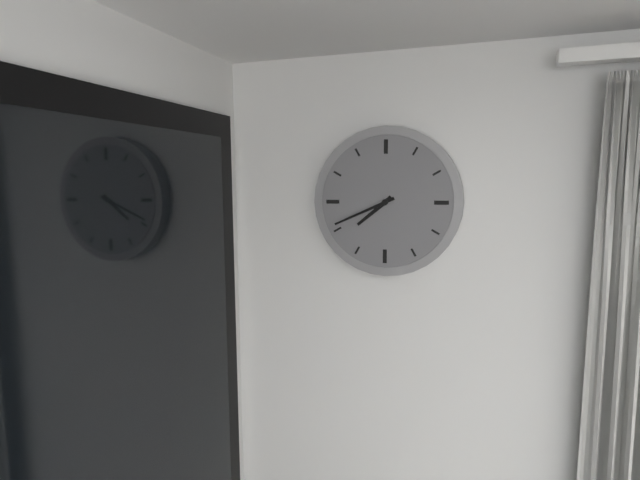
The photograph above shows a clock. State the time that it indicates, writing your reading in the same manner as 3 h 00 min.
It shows 7 h 41 min
